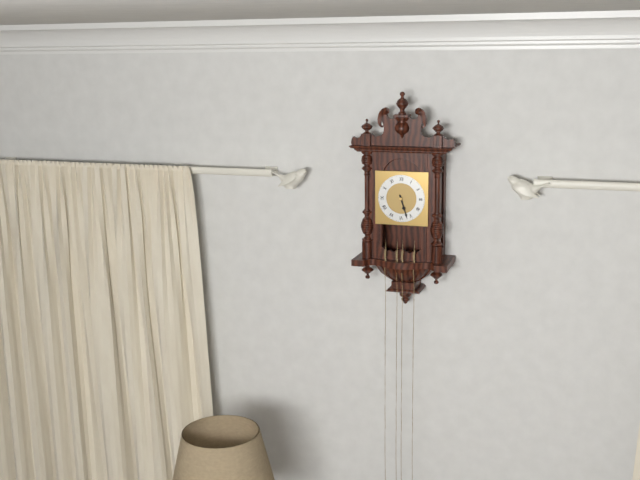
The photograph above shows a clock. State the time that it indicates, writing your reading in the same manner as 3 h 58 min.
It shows 5 h 27 min
